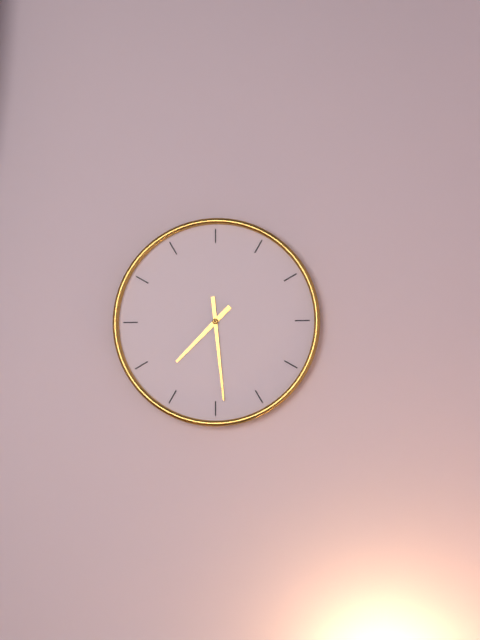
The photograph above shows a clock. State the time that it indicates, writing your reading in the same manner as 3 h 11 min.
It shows 7 h 29 min
